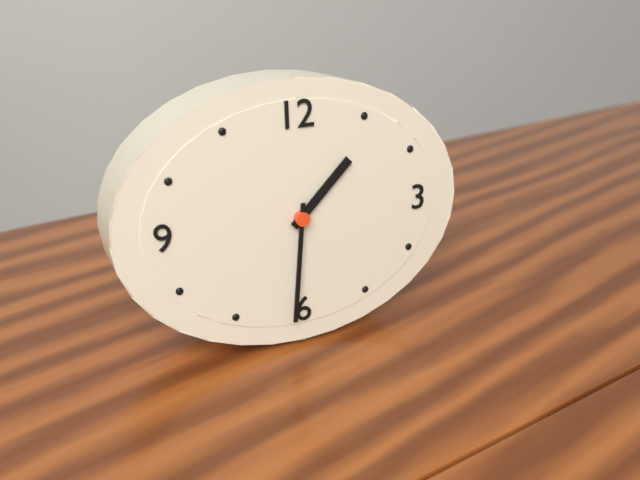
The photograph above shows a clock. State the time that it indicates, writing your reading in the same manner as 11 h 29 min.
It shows 1 h 31 min
